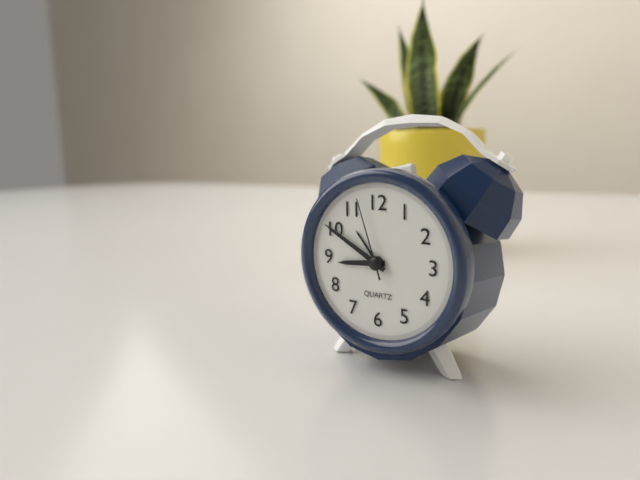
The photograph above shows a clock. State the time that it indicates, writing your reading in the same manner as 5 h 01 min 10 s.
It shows 8 h 50 min 57 s
